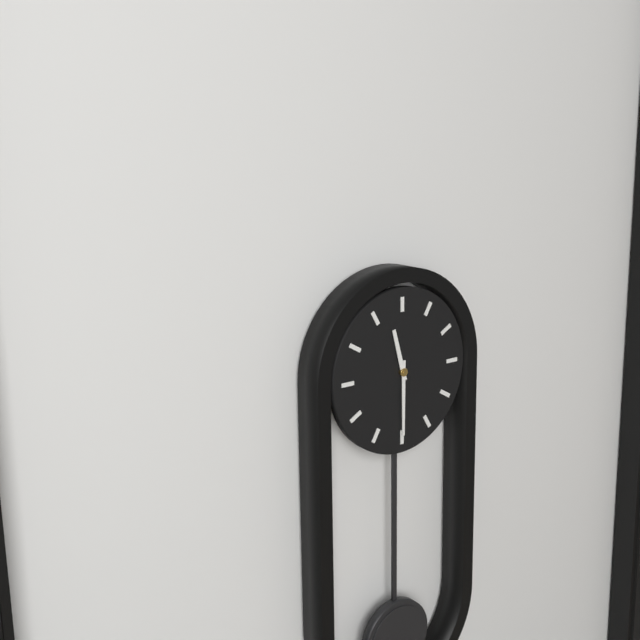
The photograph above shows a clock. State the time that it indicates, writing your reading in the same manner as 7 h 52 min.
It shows 11 h 30 min
